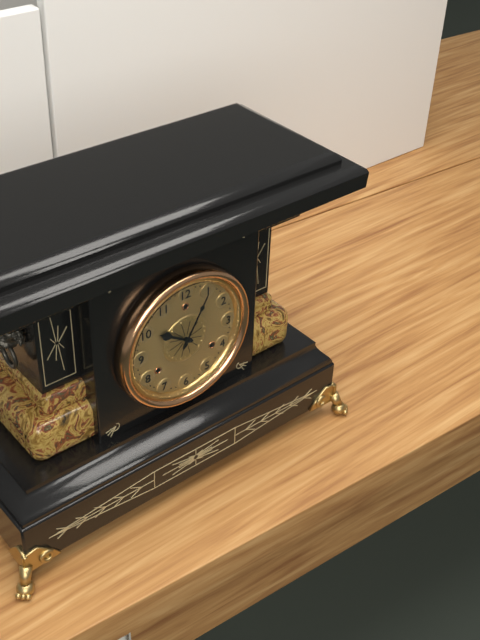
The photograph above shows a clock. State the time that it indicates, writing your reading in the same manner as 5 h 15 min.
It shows 10 h 05 min
